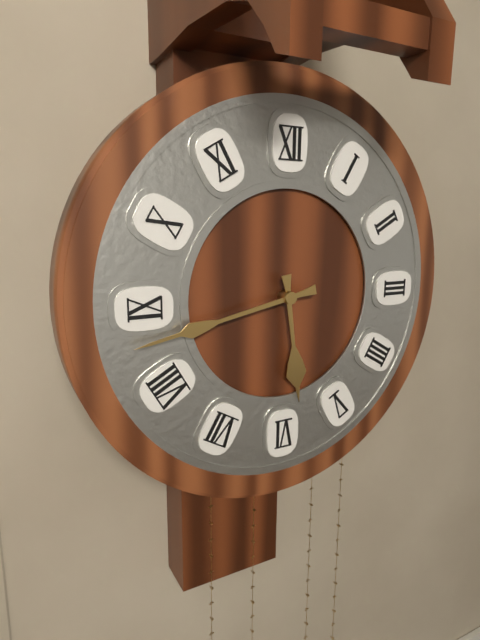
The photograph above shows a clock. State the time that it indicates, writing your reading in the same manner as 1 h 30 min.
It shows 5 h 43 min
